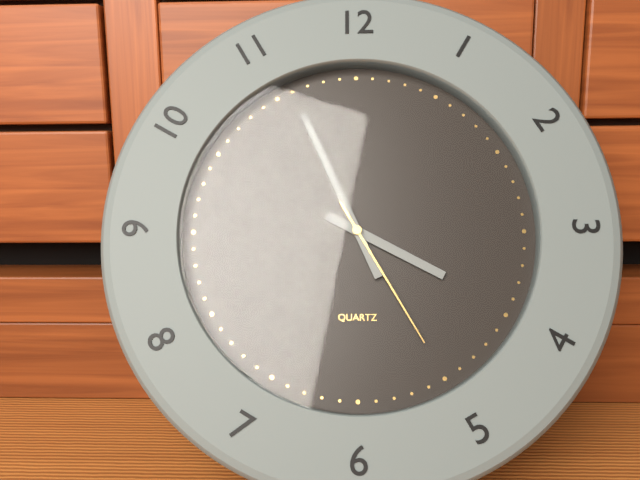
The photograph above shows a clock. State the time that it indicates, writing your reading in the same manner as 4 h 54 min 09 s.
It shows 3 h 56 min 25 s
